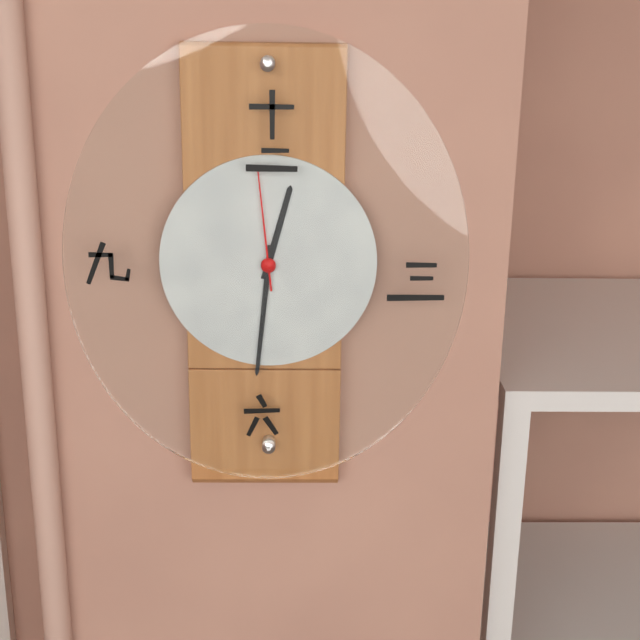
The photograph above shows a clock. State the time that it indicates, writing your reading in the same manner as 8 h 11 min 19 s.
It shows 12 h 31 min 59 s
